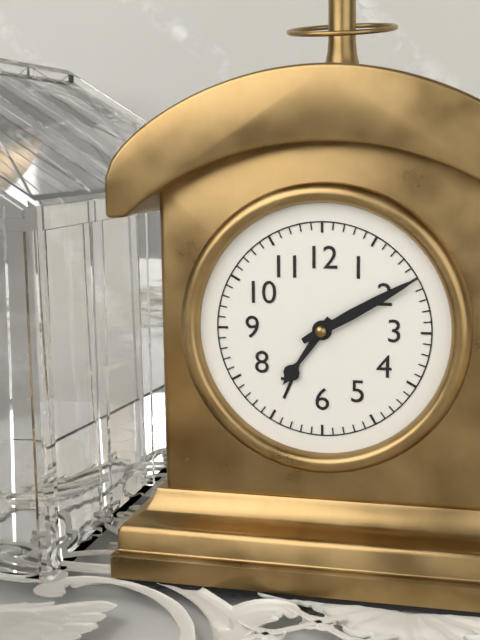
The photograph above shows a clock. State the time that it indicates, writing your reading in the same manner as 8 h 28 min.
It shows 7 h 10 min
